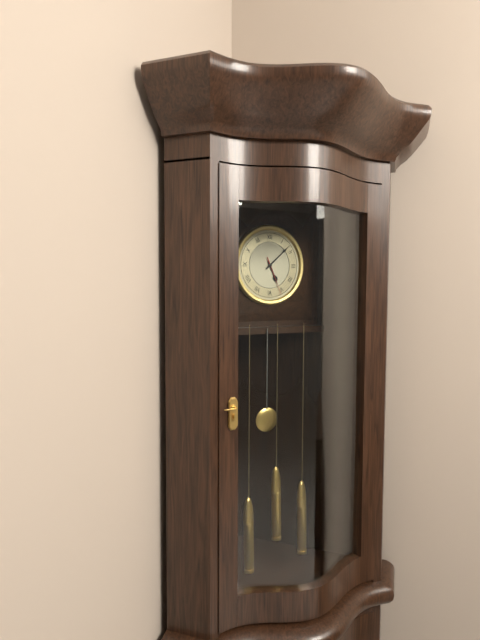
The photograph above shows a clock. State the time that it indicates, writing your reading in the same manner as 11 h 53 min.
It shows 5 h 08 min
